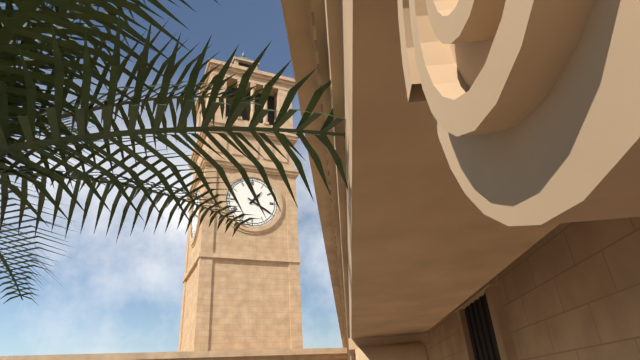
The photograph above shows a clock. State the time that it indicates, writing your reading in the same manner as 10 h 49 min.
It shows 1 h 20 min
